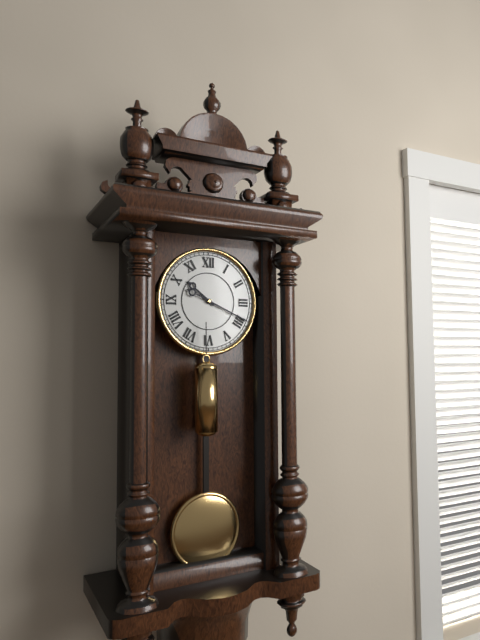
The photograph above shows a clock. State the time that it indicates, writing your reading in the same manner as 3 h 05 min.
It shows 10 h 19 min
